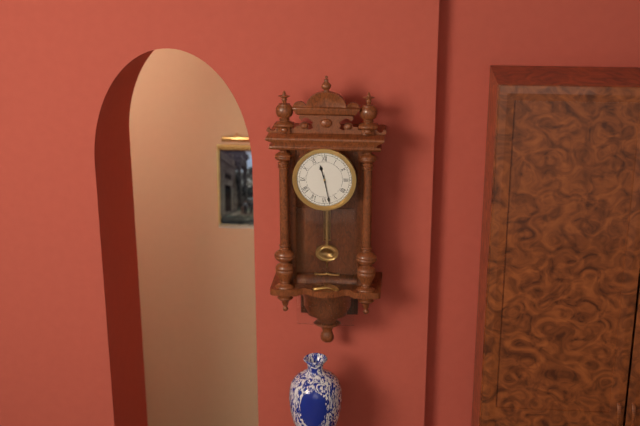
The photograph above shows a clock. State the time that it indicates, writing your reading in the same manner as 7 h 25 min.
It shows 11 h 28 min
